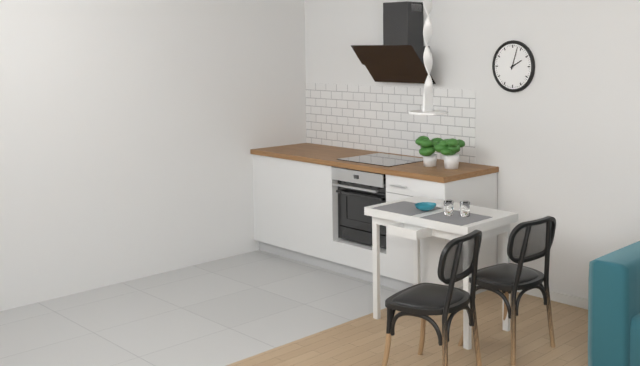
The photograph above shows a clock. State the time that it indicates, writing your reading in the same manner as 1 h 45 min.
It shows 2 h 03 min
